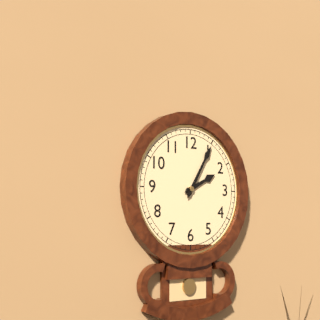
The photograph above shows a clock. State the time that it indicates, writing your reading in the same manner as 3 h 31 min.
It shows 2 h 05 min
